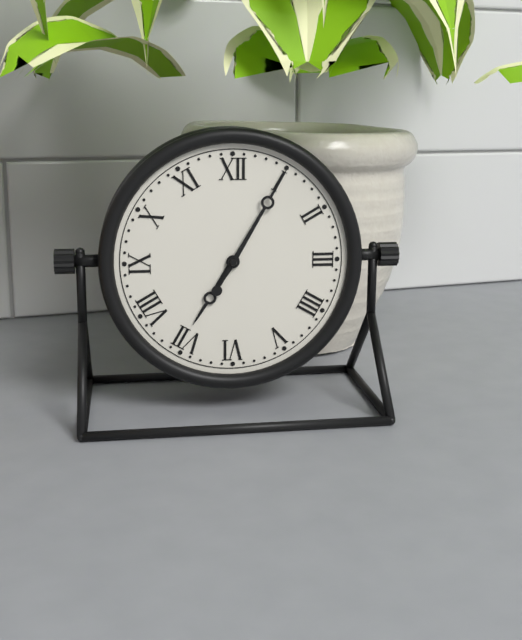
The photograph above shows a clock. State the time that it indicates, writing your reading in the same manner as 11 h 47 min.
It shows 7 h 05 min
